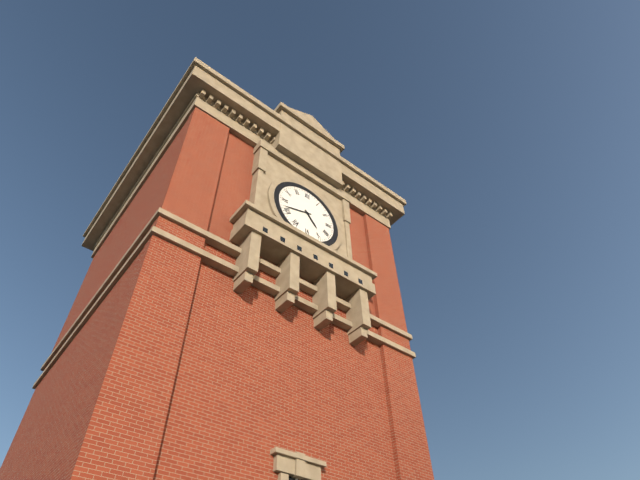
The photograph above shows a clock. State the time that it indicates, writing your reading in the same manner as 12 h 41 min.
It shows 4 h 42 min
